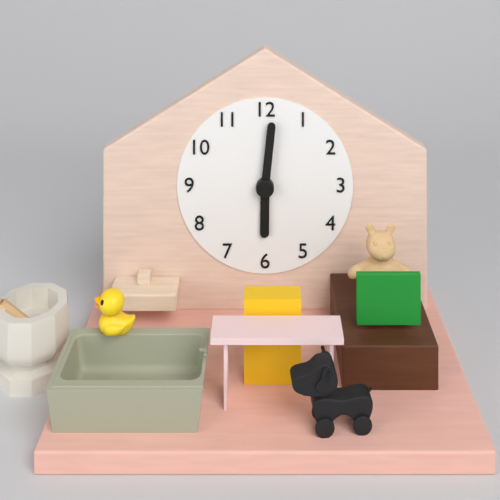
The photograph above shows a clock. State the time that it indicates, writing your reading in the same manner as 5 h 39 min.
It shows 6 h 01 min
